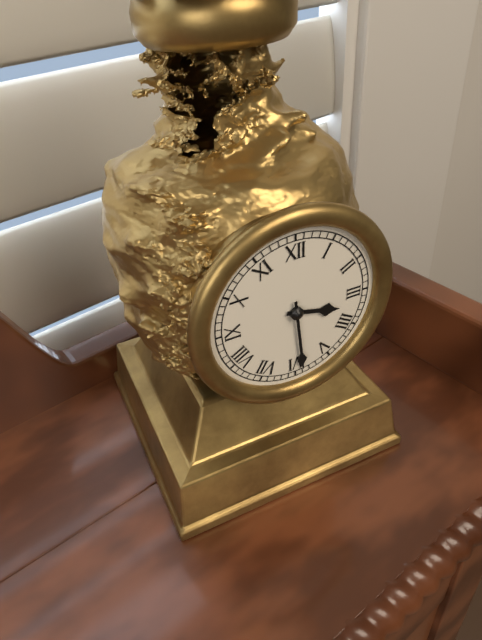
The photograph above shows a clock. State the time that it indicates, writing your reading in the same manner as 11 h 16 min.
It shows 3 h 29 min
